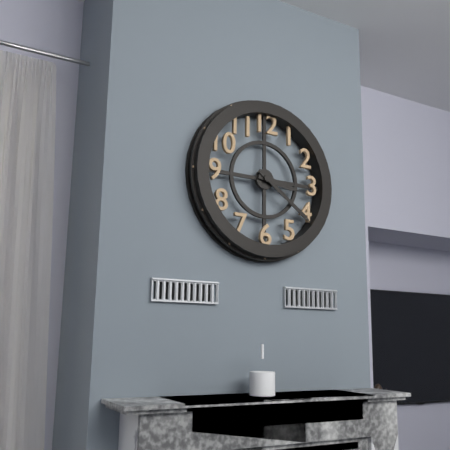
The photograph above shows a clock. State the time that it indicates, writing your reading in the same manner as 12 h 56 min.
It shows 3 h 21 min
